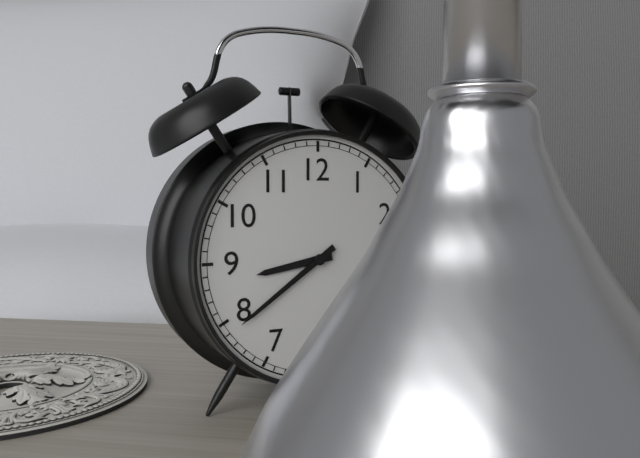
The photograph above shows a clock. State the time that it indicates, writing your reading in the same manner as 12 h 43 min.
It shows 8 h 39 min
